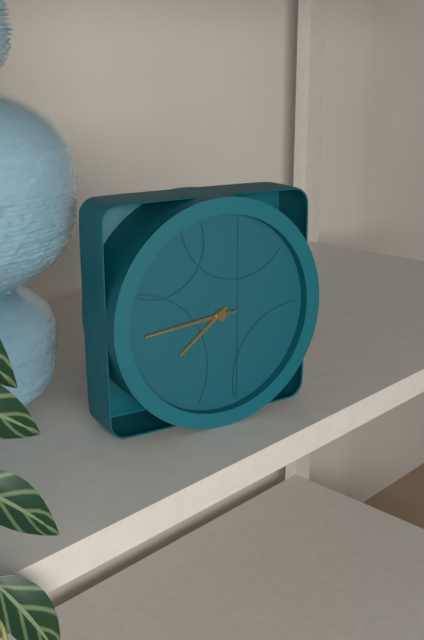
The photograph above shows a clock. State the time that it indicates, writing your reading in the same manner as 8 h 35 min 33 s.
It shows 7 h 44 min 44 s
